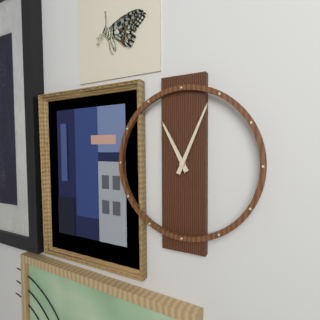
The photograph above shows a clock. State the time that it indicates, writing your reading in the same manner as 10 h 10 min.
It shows 11 h 04 min
